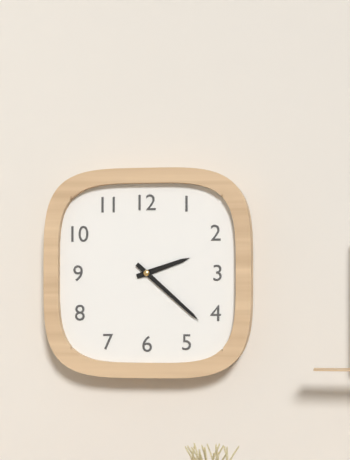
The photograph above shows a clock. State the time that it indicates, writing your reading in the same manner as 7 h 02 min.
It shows 2 h 22 min
